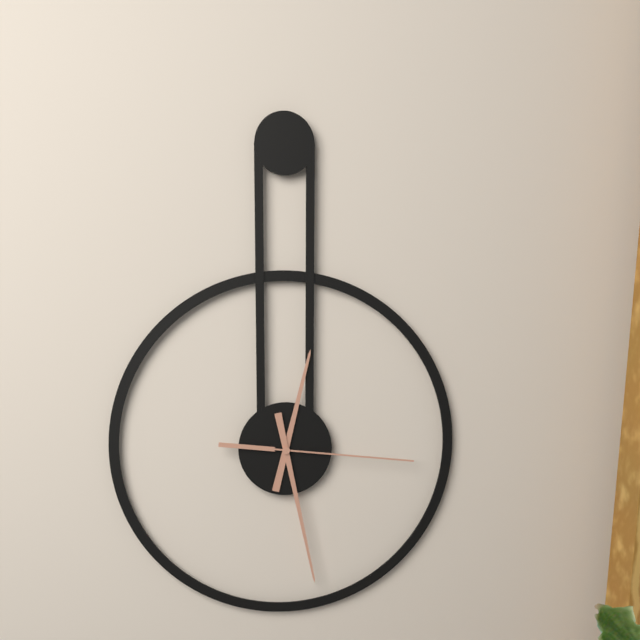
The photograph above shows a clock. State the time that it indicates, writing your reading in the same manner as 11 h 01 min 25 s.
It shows 12 h 28 min 16 s
